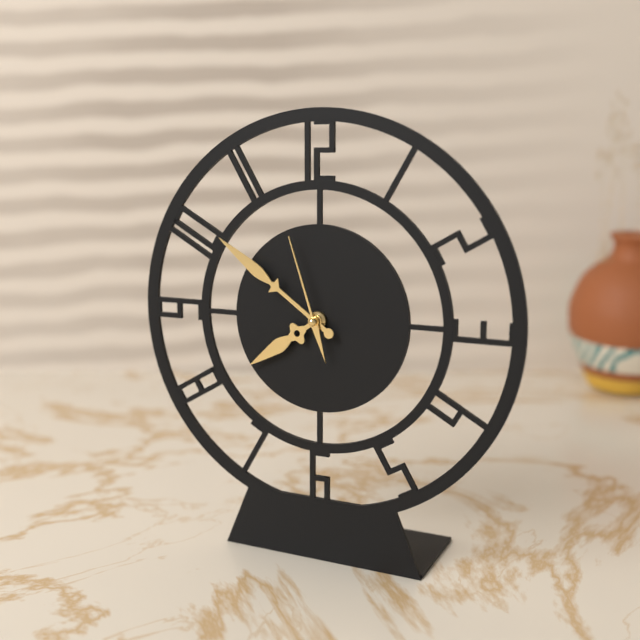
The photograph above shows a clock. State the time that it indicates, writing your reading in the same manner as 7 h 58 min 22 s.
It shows 7 h 51 min 57 s
